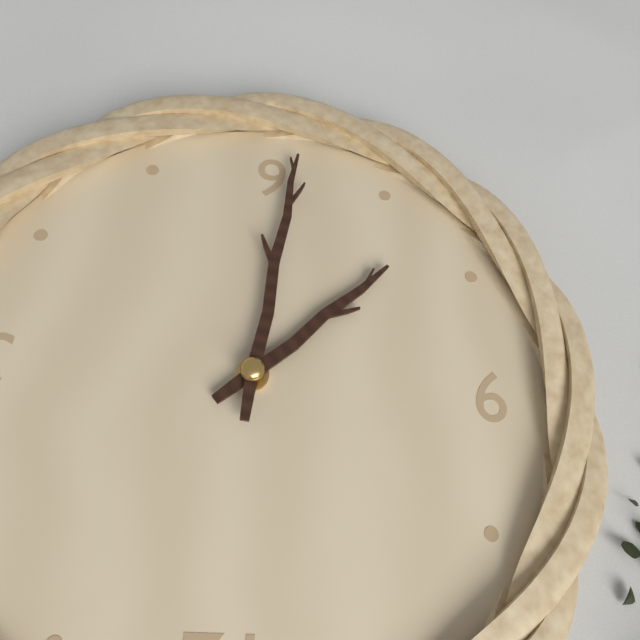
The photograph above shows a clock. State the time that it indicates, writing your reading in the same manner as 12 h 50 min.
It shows 7 h 31 min
